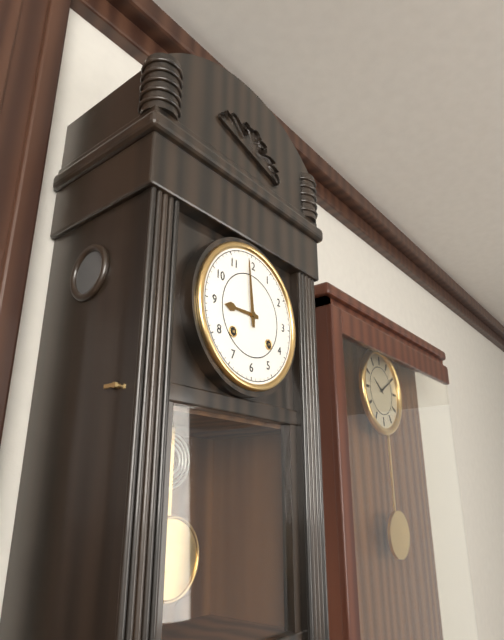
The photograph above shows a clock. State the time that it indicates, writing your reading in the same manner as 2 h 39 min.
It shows 8 h 59 min
